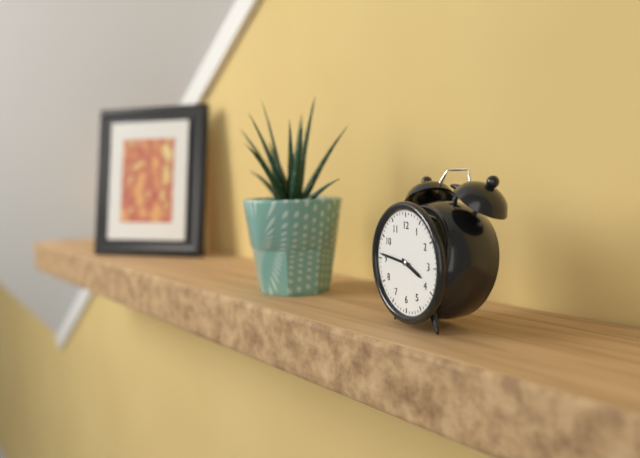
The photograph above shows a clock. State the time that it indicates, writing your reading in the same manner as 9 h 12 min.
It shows 3 h 46 min
